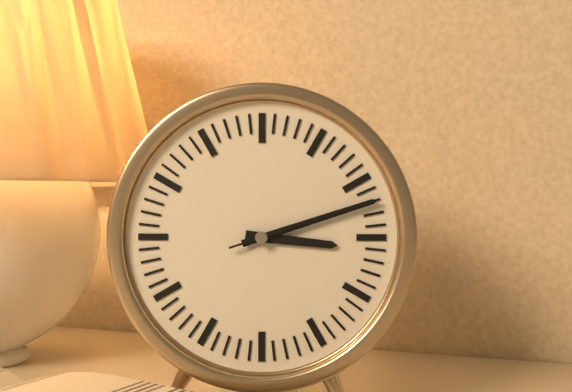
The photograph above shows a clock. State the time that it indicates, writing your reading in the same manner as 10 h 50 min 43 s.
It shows 3 h 12 min 12 s
